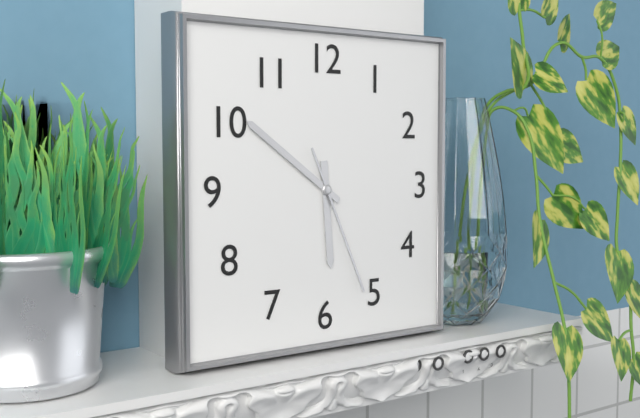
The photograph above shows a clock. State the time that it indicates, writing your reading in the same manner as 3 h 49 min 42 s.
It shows 5 h 51 min 26 s
